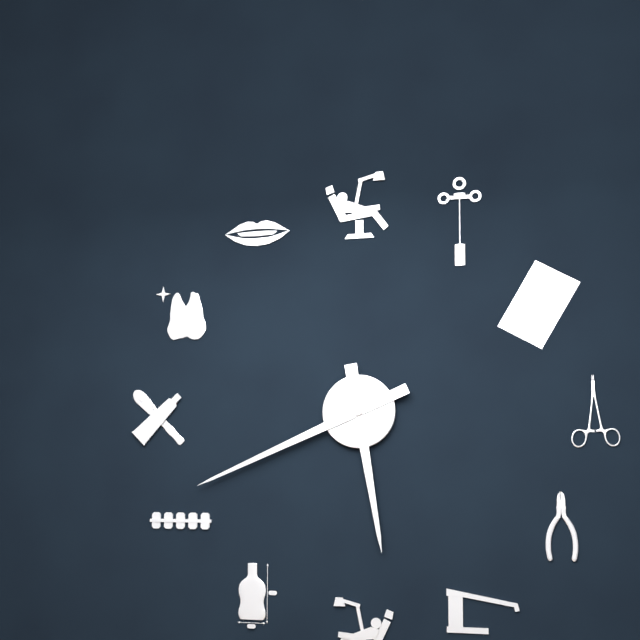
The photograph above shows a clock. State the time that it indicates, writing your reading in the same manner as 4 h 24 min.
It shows 5 h 41 min
